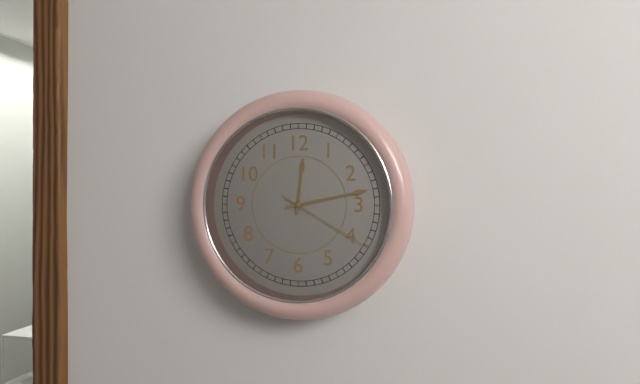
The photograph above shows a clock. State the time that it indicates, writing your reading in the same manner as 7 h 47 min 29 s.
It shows 12 h 13 min 20 s
